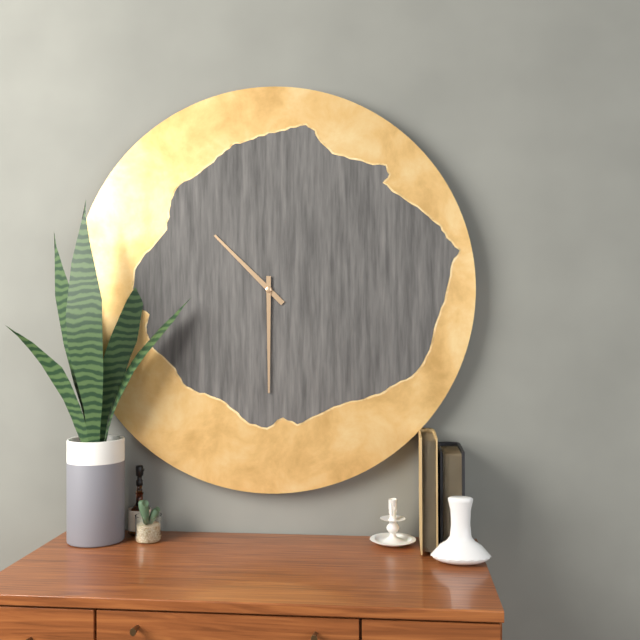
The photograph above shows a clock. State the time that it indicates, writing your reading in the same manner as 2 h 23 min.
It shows 10 h 30 min
